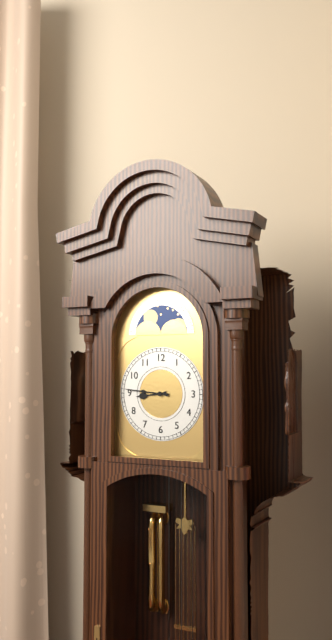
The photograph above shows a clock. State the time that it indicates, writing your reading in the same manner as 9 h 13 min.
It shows 8 h 46 min
